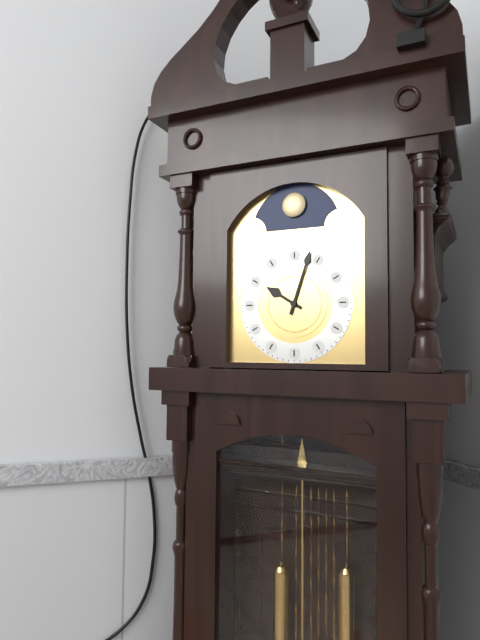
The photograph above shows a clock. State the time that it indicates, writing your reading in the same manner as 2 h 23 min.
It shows 10 h 03 min
